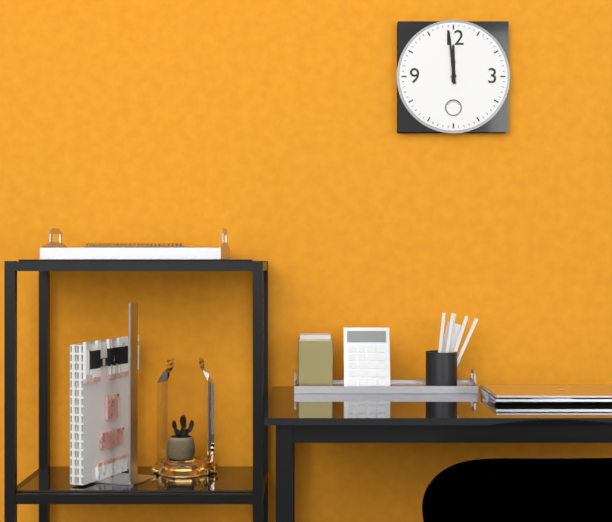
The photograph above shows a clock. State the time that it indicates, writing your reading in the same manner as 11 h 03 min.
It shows 11 h 59 min
